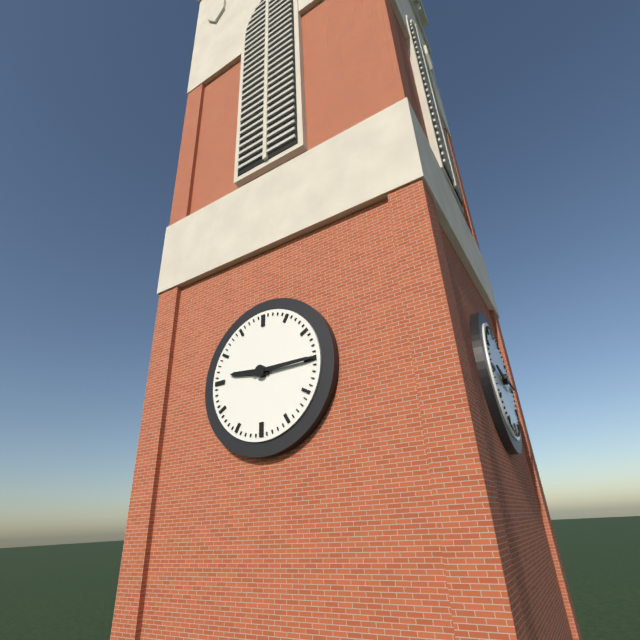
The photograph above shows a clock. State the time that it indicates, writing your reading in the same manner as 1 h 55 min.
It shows 9 h 15 min
